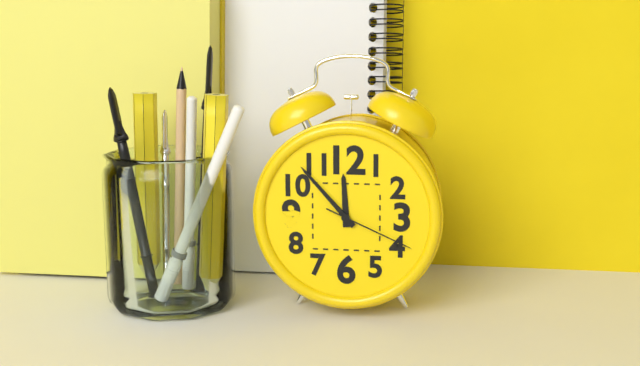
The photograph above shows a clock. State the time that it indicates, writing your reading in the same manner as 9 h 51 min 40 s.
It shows 11 h 53 min 19 s
